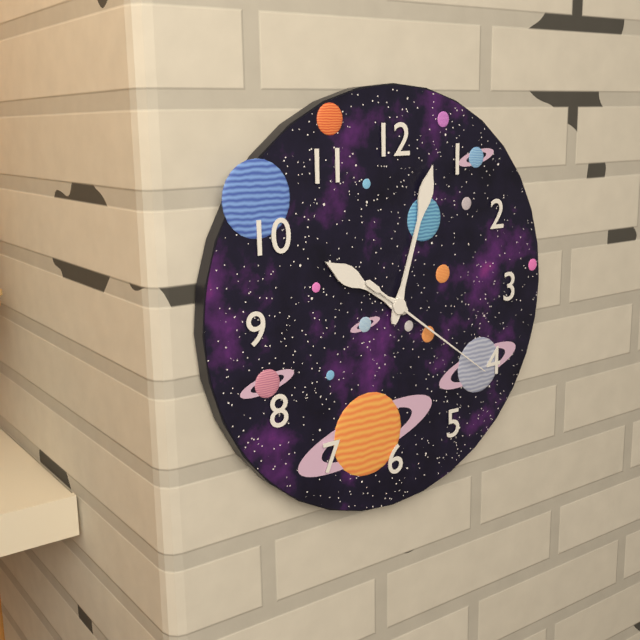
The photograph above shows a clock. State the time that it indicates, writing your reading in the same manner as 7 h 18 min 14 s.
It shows 10 h 03 min 21 s
